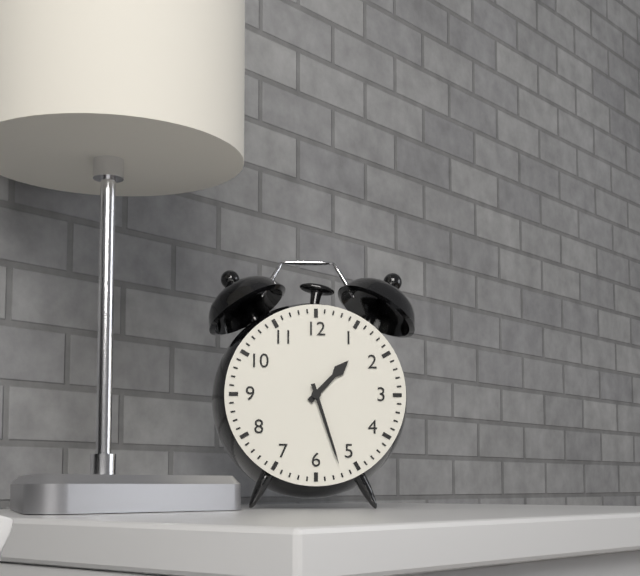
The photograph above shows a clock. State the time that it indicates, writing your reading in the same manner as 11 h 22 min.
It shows 1 h 27 min
